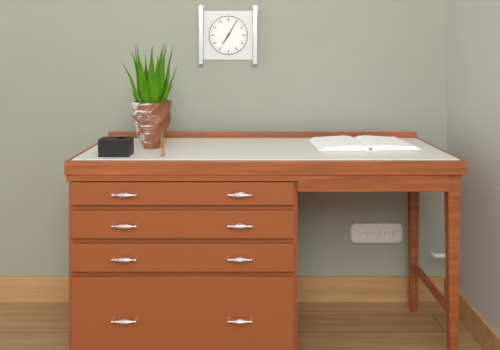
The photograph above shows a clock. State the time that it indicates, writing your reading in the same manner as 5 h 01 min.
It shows 7 h 05 min
